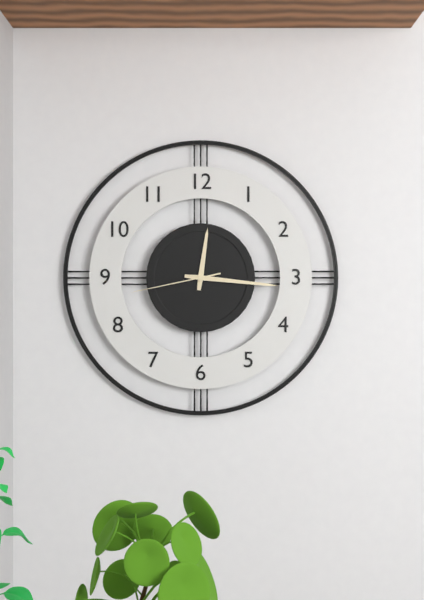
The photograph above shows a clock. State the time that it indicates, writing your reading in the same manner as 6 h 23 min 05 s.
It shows 12 h 16 min 43 s
